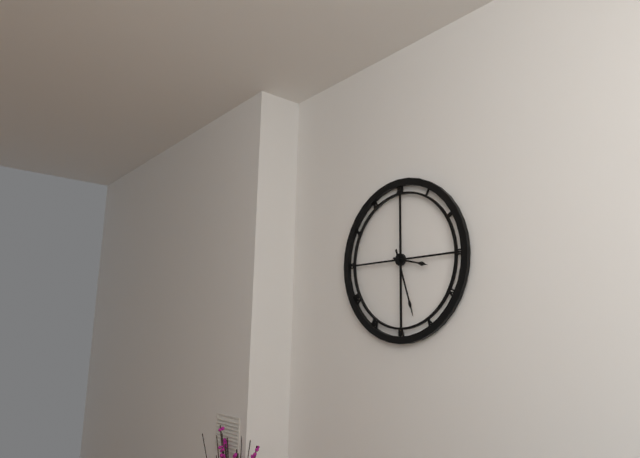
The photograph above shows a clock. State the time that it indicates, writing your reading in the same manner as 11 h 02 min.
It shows 3 h 27 min
